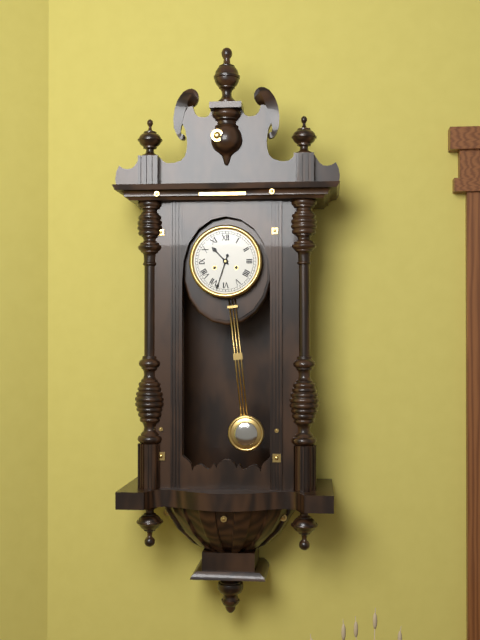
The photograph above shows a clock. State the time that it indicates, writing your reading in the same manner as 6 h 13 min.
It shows 10 h 33 min
